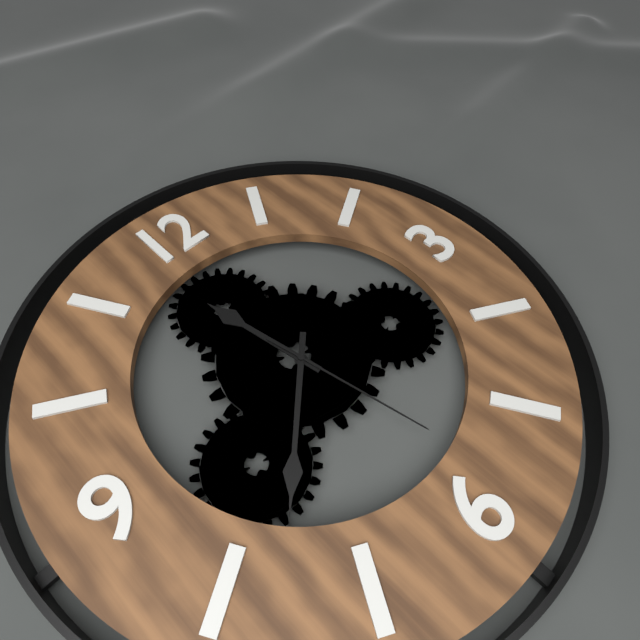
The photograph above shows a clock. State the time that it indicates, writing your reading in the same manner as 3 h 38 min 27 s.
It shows 11 h 38 min 28 s
